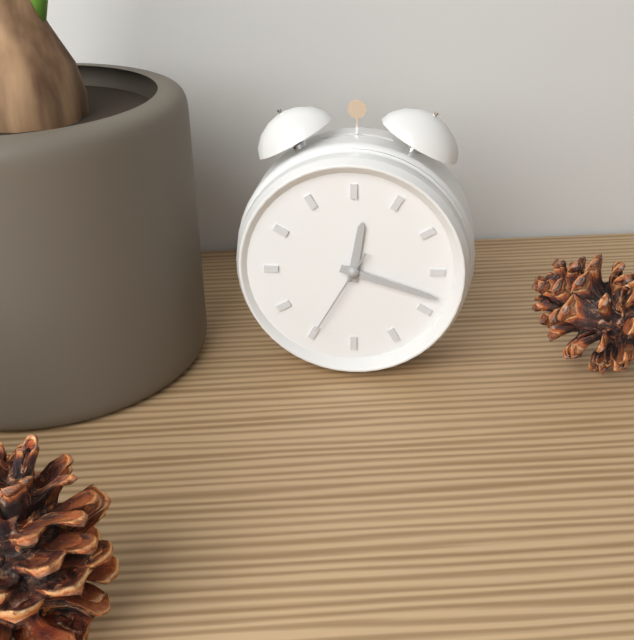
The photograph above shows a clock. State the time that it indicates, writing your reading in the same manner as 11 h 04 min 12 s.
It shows 12 h 18 min 35 s
